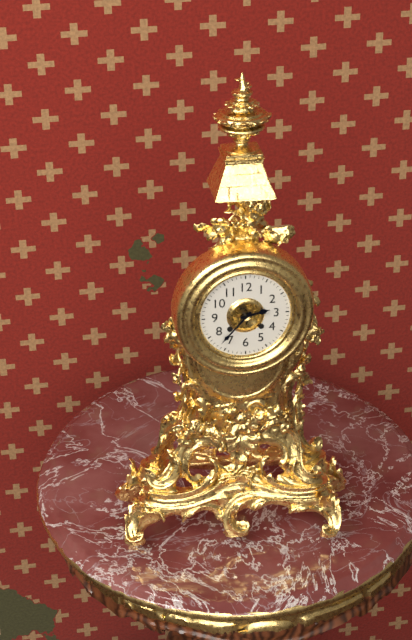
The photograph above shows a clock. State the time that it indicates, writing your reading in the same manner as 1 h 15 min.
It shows 2 h 37 min
